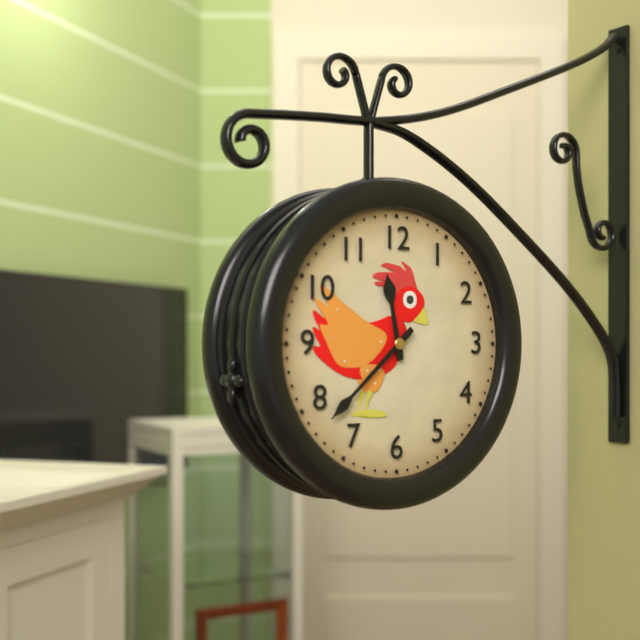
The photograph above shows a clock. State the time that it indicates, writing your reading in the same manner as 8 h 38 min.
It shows 11 h 38 min
